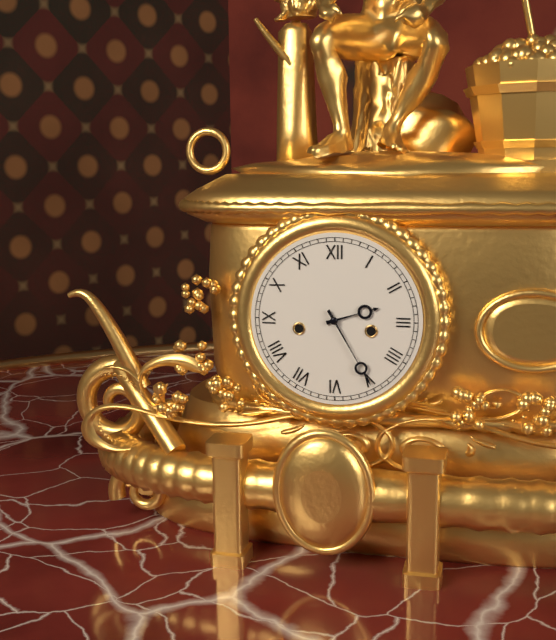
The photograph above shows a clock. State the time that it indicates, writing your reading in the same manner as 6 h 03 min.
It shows 2 h 25 min
